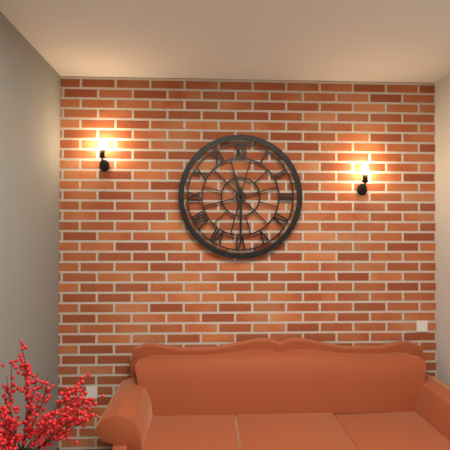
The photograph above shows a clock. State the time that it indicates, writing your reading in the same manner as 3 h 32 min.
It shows 11 h 30 min
